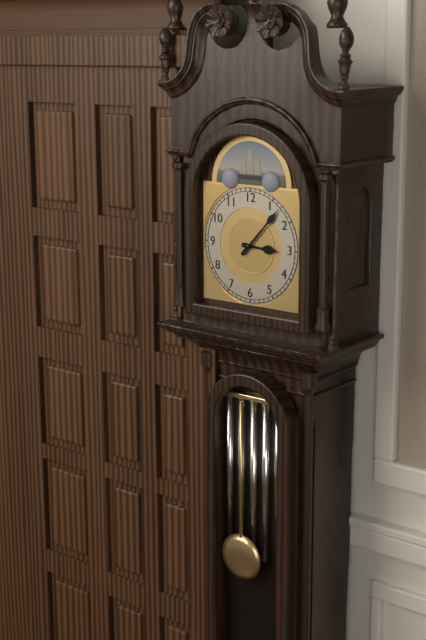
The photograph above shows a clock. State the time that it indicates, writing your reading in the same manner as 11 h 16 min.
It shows 3 h 07 min
